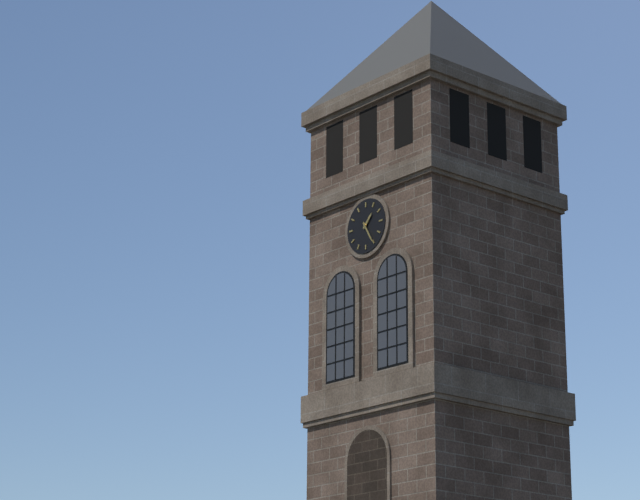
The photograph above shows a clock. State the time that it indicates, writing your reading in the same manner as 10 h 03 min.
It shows 1 h 25 min
